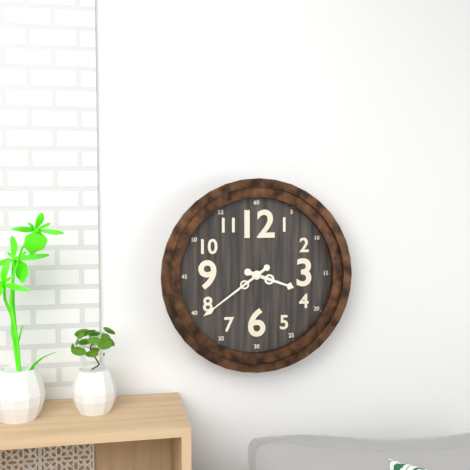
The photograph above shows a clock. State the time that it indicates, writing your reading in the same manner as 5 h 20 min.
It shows 3 h 39 min
